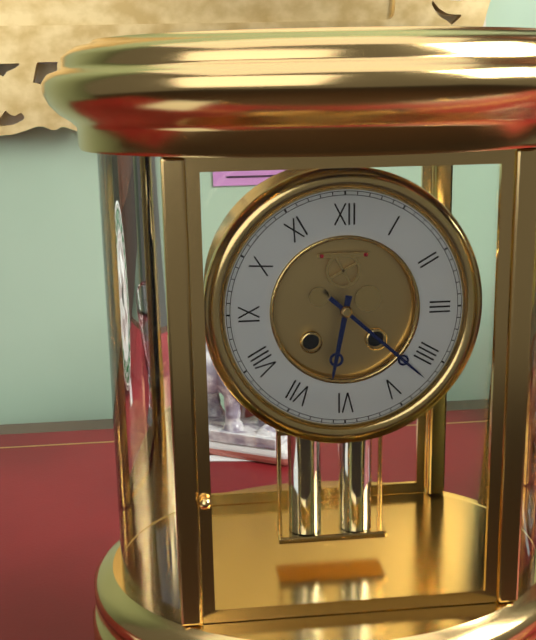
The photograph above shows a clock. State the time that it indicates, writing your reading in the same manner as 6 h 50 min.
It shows 6 h 22 min
